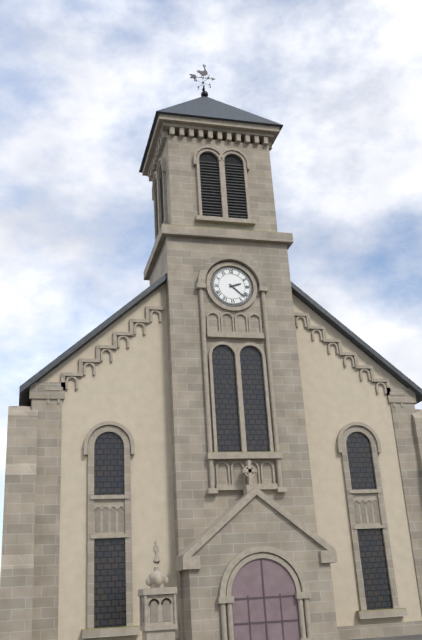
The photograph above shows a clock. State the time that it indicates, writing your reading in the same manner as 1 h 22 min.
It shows 2 h 22 min
